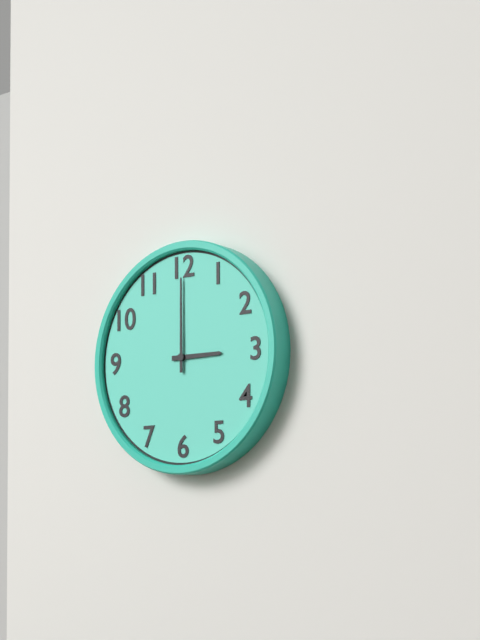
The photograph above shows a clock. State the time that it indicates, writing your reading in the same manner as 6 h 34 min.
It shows 3 h 00 min
